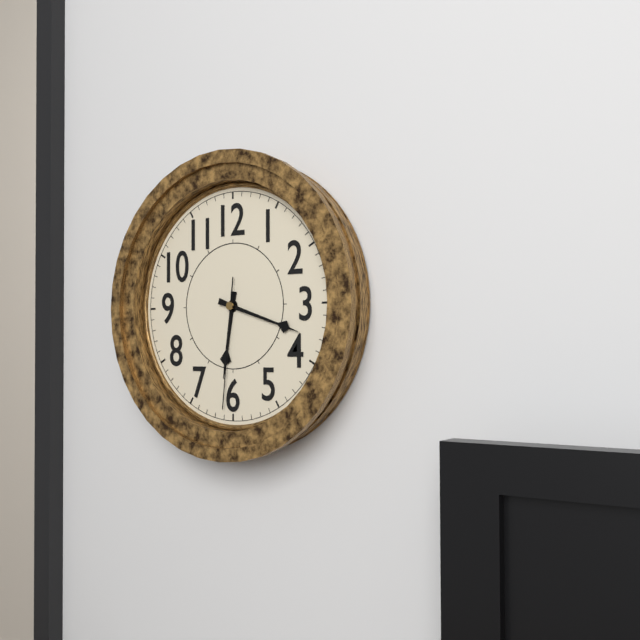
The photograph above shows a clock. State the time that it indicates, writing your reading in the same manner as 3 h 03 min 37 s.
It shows 6 h 18 min 31 s
